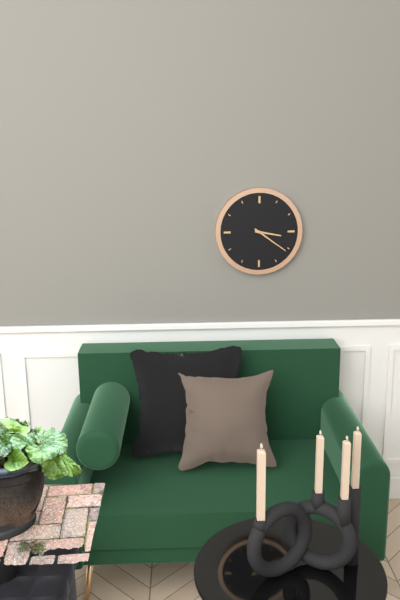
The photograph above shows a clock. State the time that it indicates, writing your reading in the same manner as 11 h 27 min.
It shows 3 h 21 min
